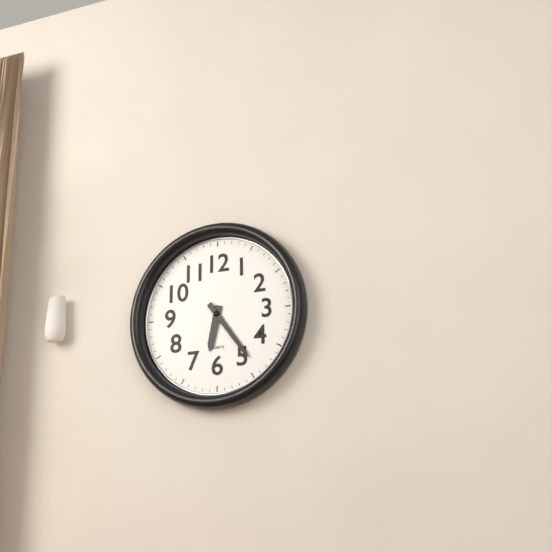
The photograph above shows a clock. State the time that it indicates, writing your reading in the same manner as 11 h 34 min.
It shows 6 h 24 min
